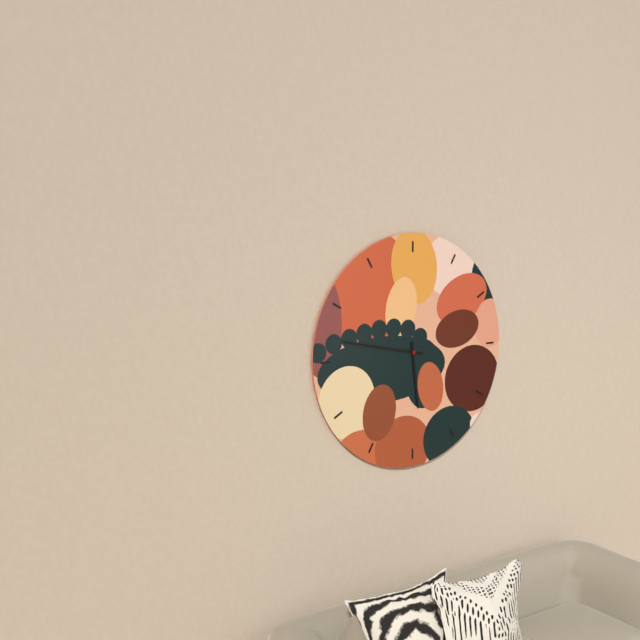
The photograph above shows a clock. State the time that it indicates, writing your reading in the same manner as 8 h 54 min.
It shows 5 h 47 min
